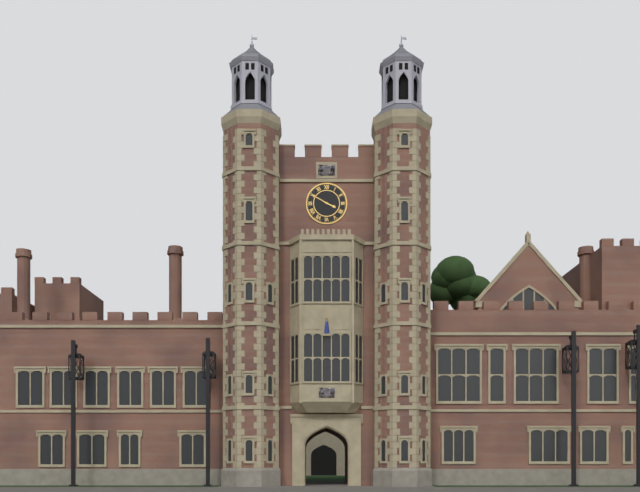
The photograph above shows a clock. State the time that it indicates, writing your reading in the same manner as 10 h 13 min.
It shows 3 h 50 min
